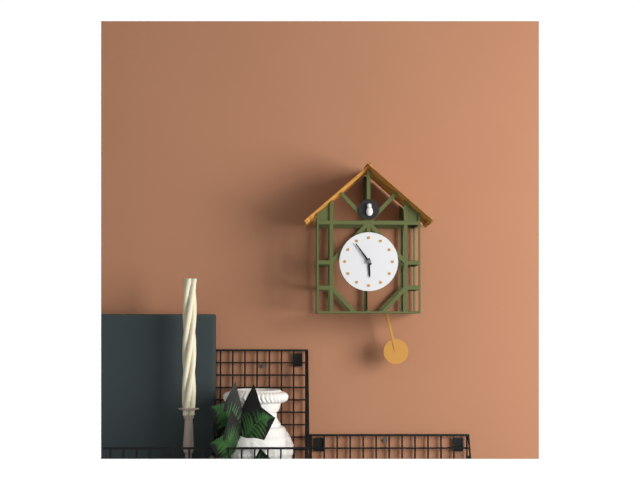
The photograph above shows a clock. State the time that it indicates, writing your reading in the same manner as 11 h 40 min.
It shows 5 h 54 min
